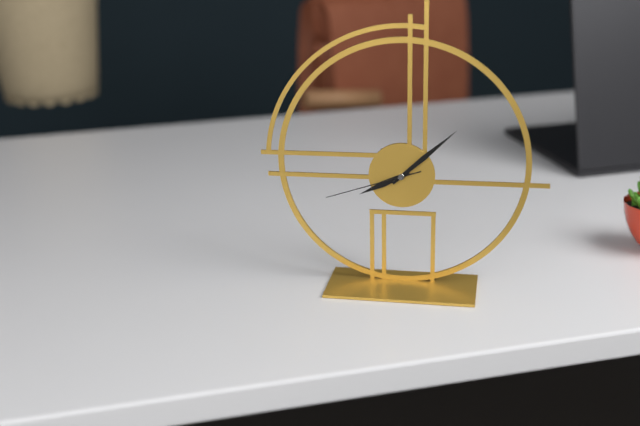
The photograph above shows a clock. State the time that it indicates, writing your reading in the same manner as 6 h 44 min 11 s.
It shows 8 h 08 min 42 s
